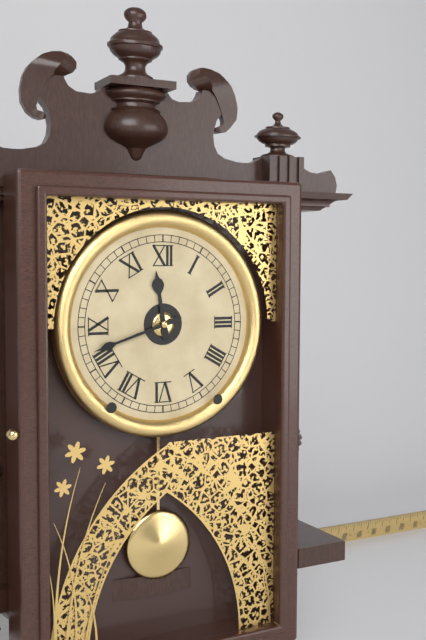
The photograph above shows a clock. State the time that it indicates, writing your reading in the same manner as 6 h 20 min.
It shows 11 h 42 min
